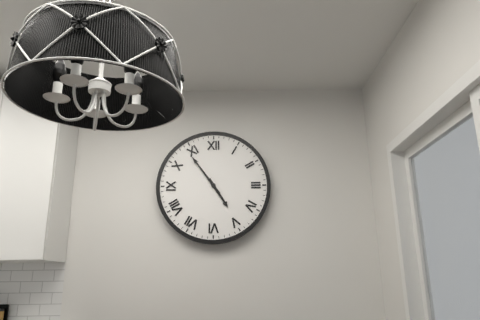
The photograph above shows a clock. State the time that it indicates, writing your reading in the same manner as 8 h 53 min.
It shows 4 h 54 min
